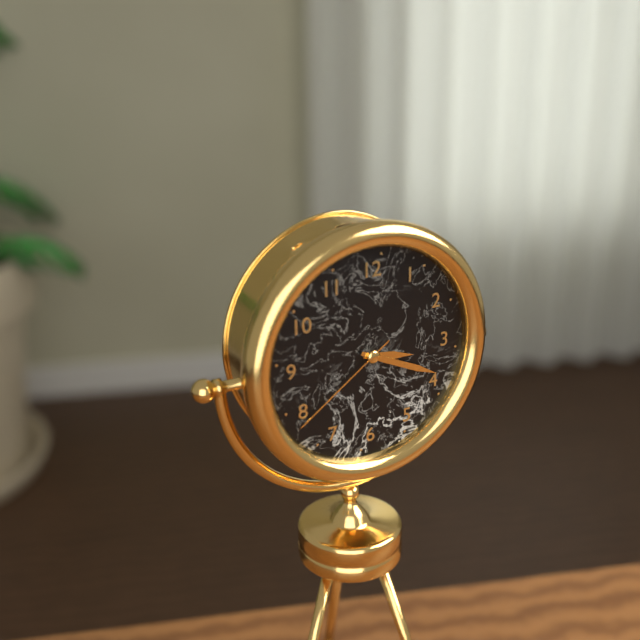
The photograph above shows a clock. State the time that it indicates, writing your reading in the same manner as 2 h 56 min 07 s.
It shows 3 h 19 min 39 s
